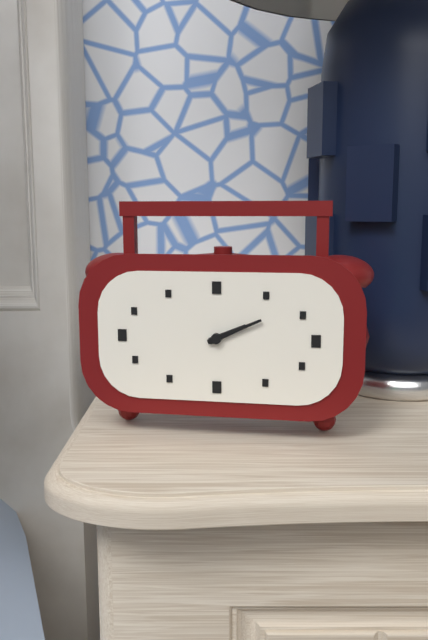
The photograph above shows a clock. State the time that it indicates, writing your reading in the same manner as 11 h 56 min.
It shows 2 h 11 min
